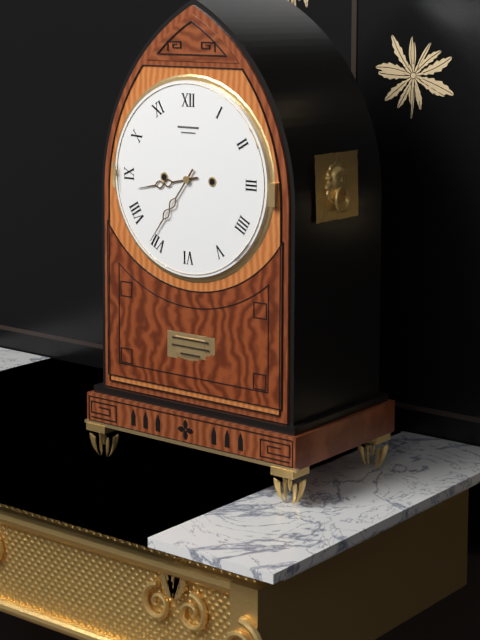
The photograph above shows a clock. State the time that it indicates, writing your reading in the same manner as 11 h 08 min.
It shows 8 h 36 min
